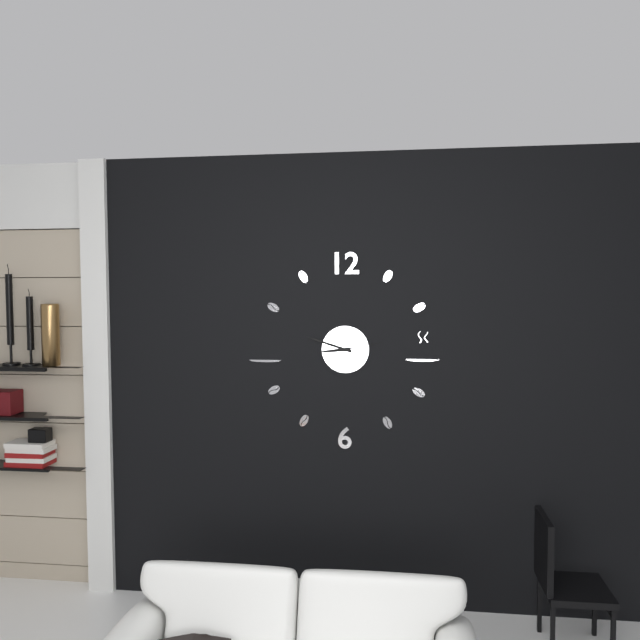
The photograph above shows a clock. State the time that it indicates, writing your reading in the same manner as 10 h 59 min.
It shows 8 h 48 min
